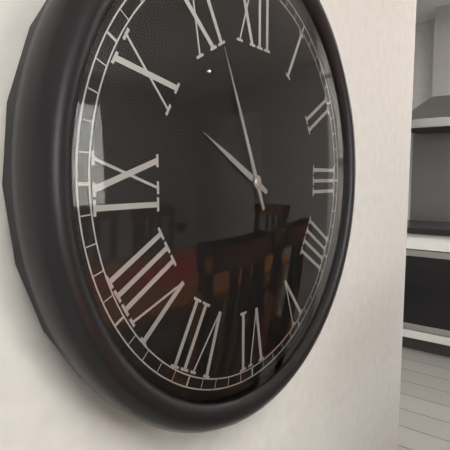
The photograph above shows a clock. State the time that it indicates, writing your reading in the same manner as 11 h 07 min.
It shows 9 h 56 min
